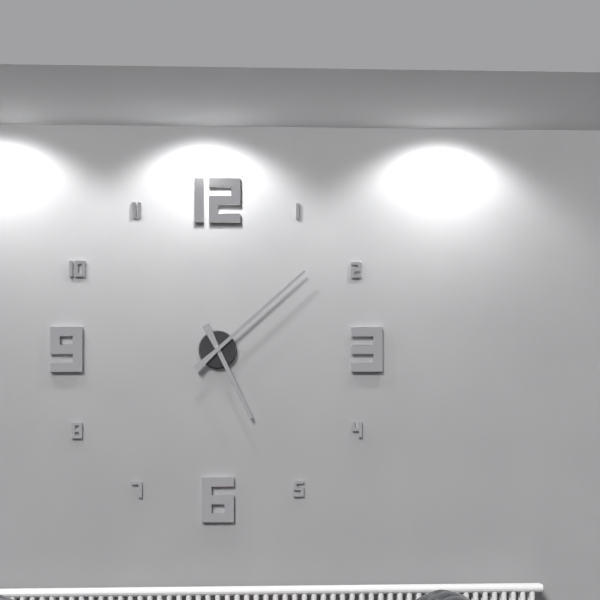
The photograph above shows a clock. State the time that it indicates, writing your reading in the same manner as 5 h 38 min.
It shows 5 h 08 min
